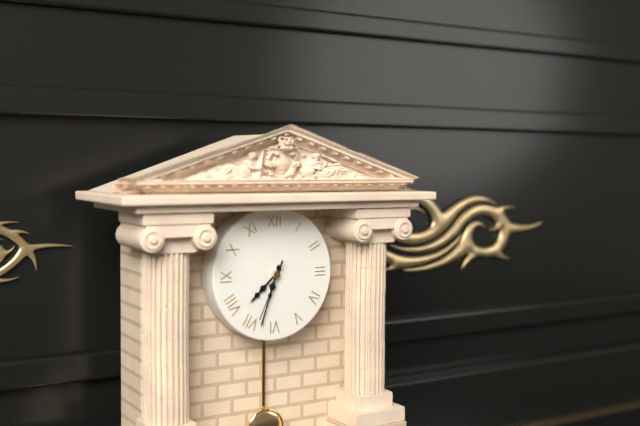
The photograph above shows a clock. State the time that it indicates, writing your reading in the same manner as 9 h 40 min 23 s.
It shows 7 h 33 min 34 s
